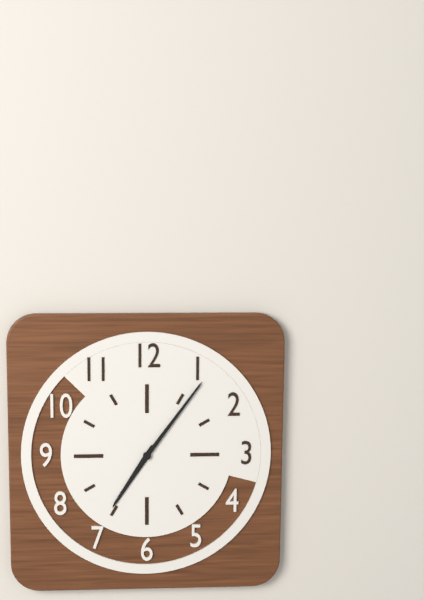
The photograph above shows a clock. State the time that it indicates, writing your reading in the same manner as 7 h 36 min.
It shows 7 h 06 min
